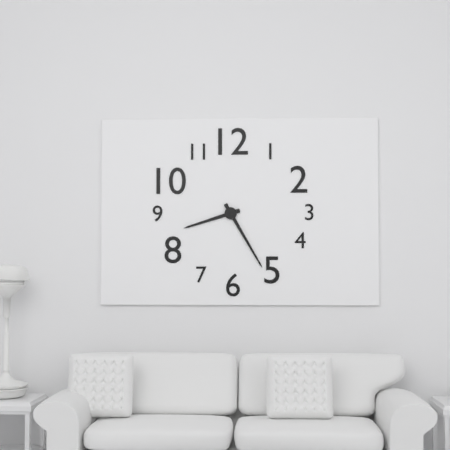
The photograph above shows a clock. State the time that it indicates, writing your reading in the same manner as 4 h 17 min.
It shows 8 h 25 min
